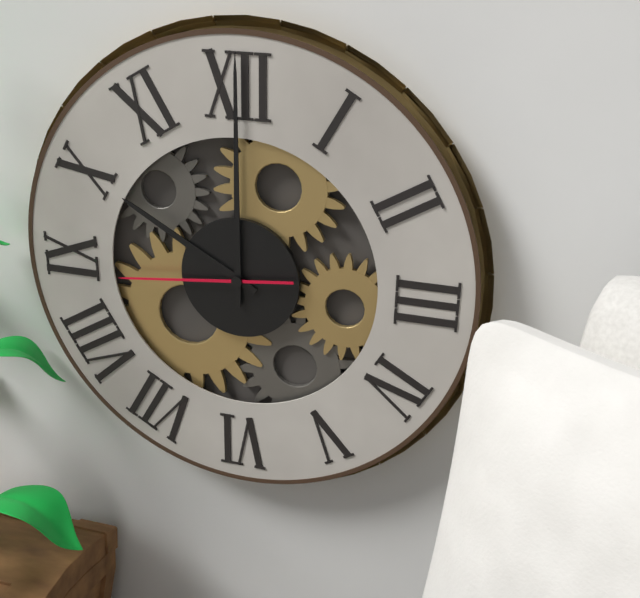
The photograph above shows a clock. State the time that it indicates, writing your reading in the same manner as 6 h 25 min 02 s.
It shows 10 h 00 min 44 s
